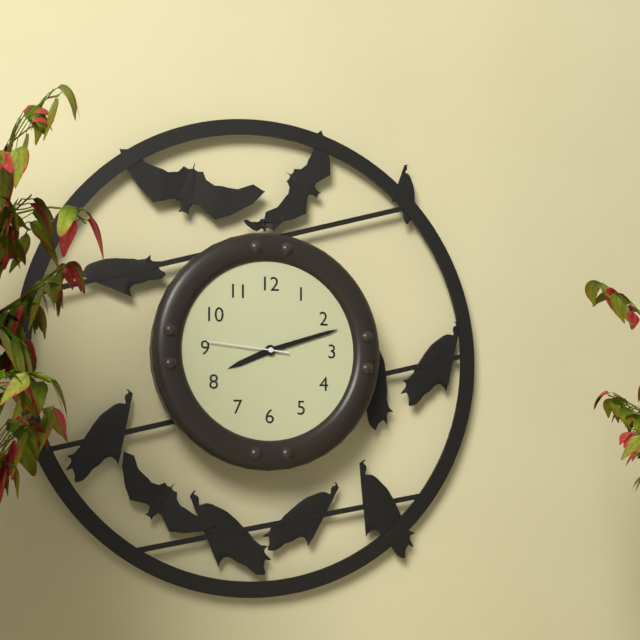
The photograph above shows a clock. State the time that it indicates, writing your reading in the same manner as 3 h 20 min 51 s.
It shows 8 h 12 min 46 s
